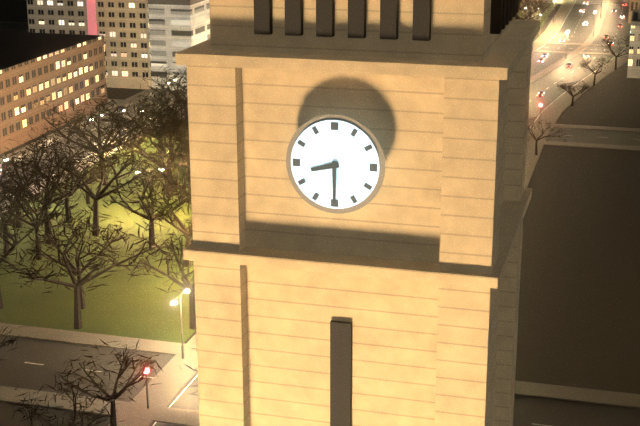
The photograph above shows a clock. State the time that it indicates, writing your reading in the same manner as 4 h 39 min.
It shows 8 h 30 min
